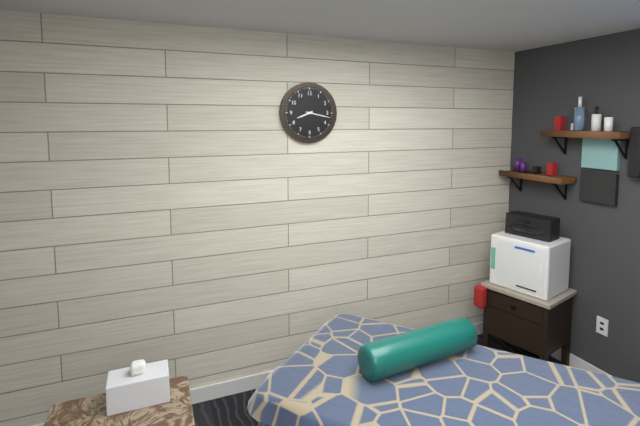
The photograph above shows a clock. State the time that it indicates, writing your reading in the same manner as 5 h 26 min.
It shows 8 h 17 min
